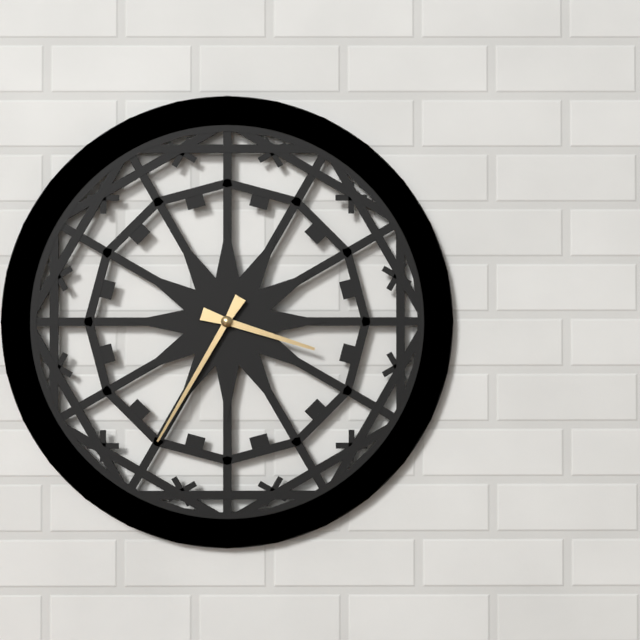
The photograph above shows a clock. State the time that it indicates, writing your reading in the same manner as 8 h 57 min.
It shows 3 h 35 min
